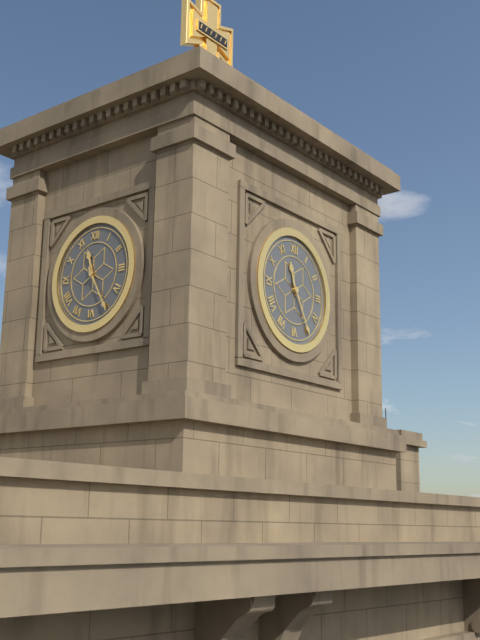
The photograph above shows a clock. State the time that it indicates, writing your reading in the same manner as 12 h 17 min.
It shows 11 h 25 min
